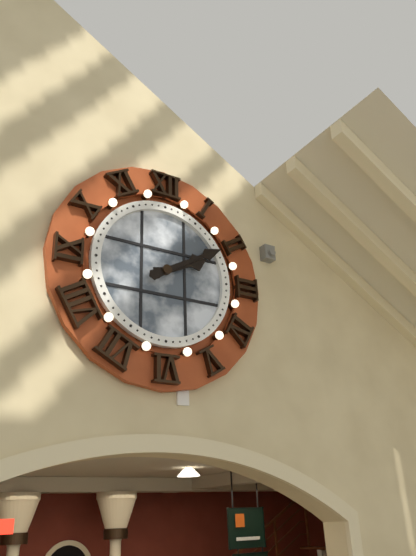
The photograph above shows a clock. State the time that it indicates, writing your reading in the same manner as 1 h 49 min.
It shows 2 h 10 min
